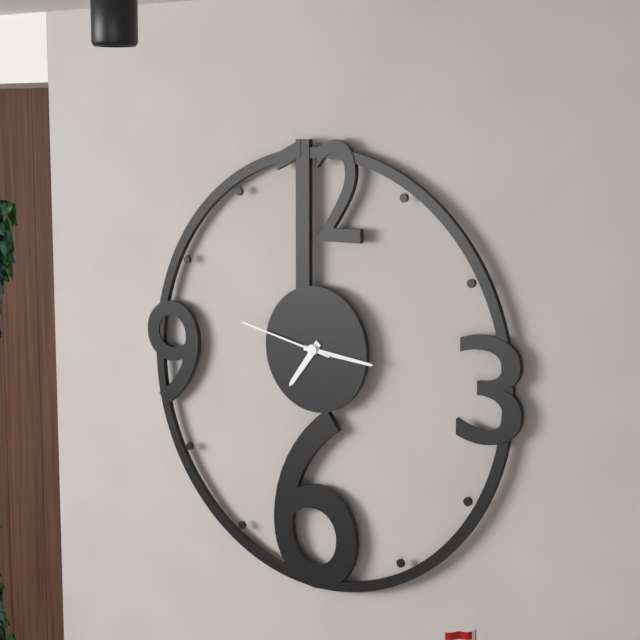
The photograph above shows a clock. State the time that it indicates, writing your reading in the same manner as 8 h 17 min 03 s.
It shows 7 h 16 min 47 s
